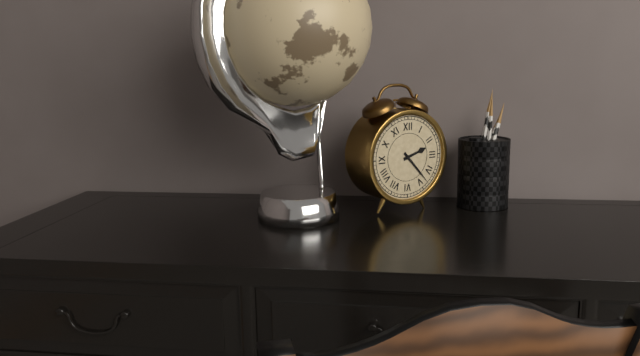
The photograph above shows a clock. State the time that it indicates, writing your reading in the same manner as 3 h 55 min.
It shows 2 h 23 min
